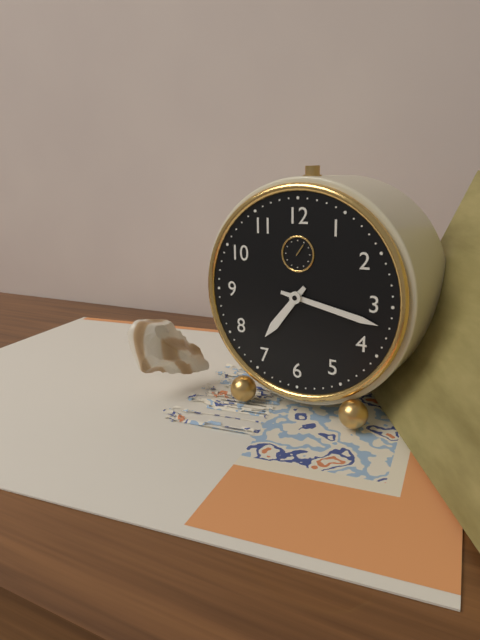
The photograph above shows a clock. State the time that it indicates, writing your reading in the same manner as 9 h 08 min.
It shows 7 h 17 min
